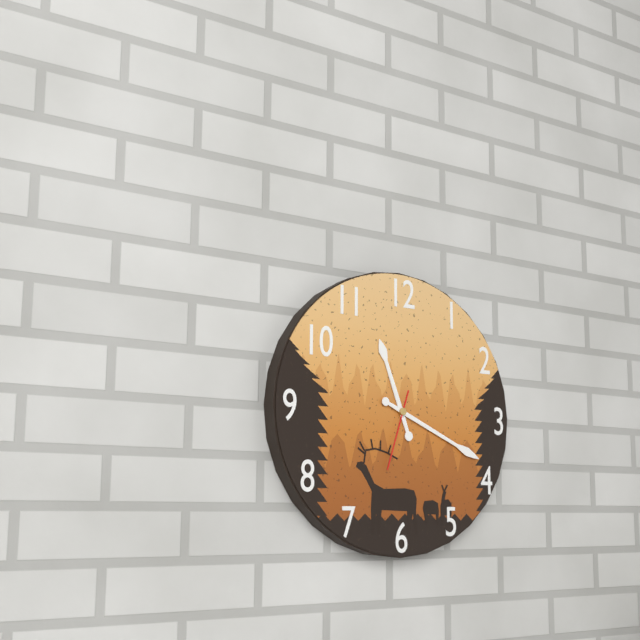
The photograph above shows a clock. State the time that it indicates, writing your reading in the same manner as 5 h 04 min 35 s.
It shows 11 h 19 min 33 s
